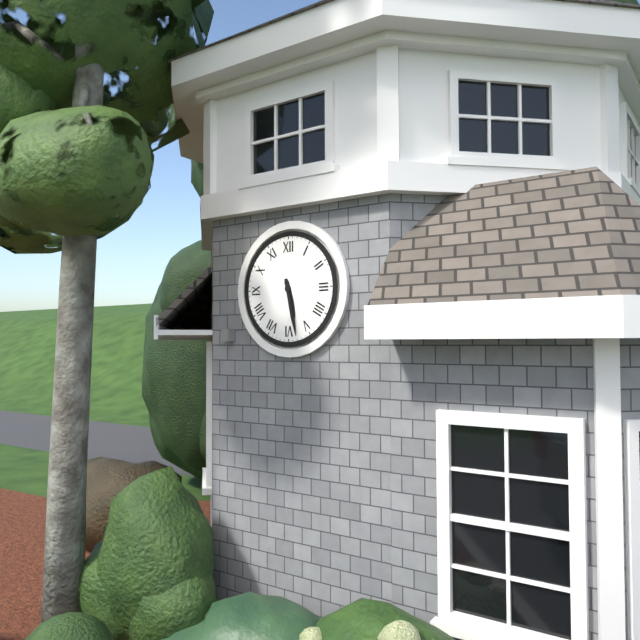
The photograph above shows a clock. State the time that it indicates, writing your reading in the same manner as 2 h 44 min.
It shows 5 h 28 min
